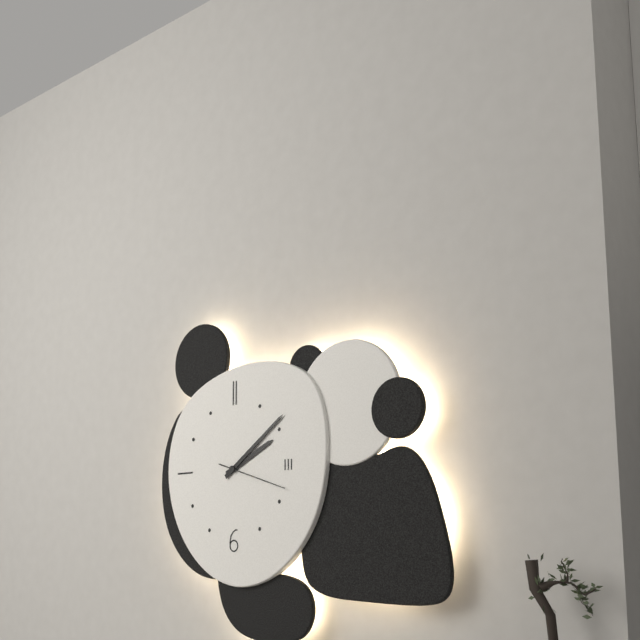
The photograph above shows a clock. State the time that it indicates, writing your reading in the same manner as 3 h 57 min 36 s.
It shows 2 h 09 min 18 s
